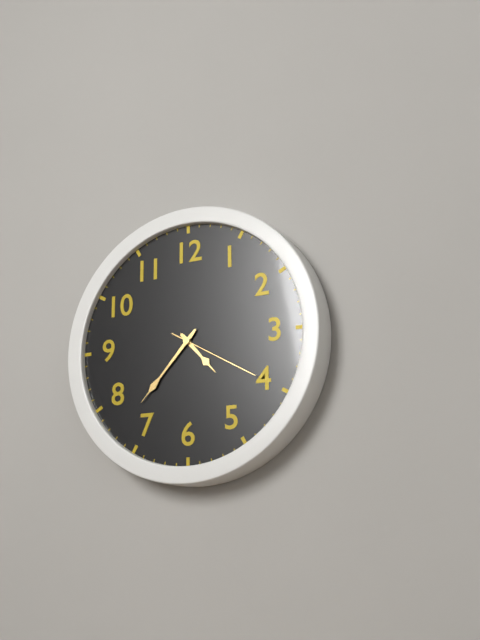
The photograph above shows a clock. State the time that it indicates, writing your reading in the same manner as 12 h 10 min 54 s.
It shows 4 h 37 min 20 s
